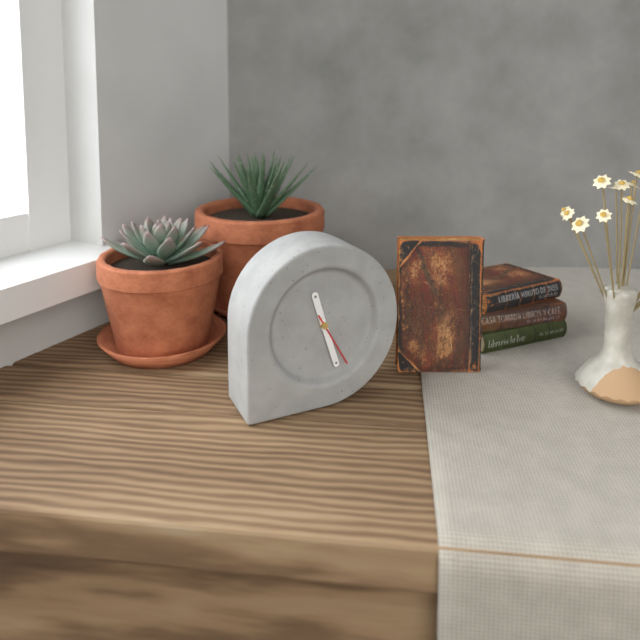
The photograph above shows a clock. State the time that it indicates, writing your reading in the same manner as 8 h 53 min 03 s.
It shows 11 h 27 min 25 s
